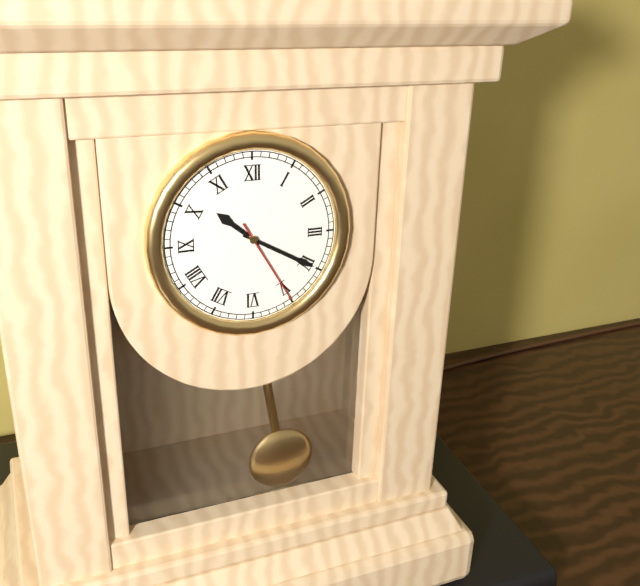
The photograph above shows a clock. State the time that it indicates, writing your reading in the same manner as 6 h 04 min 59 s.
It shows 10 h 20 min 25 s
